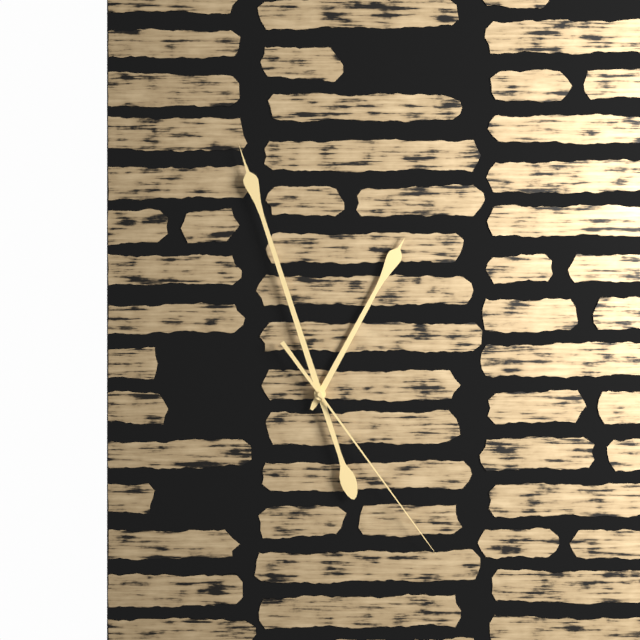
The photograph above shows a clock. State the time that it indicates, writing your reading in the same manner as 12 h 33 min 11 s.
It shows 12 h 57 min 24 s
